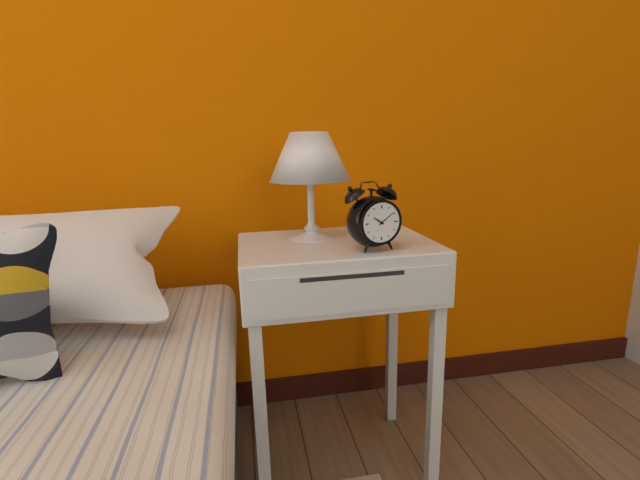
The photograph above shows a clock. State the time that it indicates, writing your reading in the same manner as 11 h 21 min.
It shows 10 h 09 min
